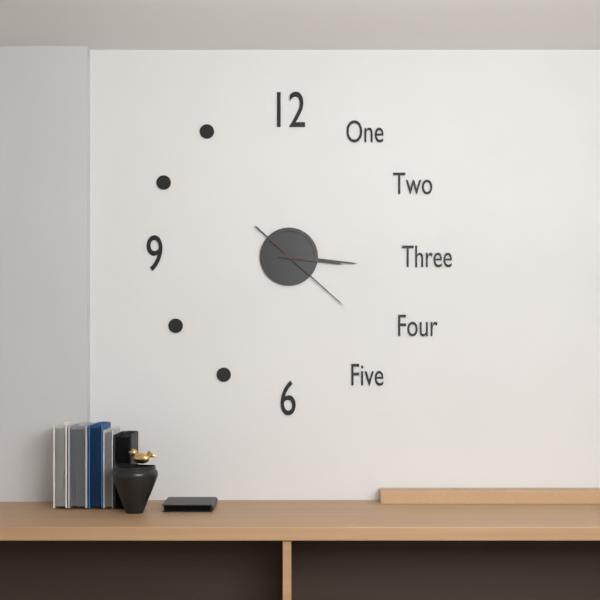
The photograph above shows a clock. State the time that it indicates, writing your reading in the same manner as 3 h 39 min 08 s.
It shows 3 h 16 min 22 s
